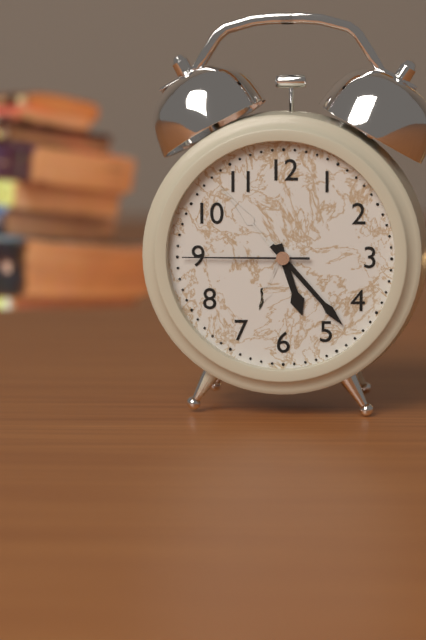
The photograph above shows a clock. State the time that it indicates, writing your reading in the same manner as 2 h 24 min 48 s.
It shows 5 h 23 min 45 s
